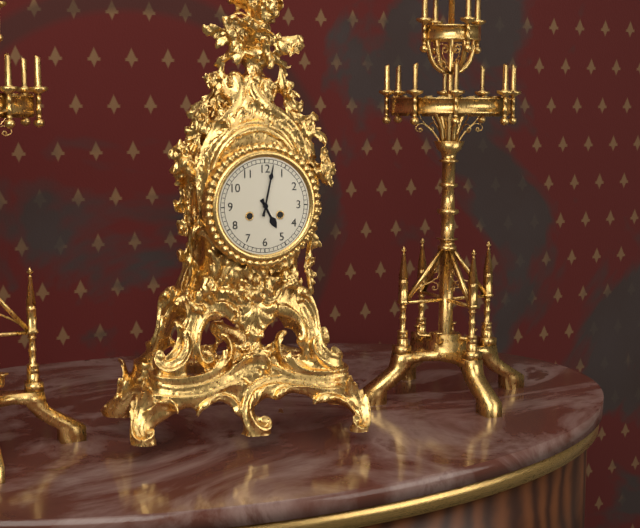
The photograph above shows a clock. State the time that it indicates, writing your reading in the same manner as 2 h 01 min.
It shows 5 h 02 min
